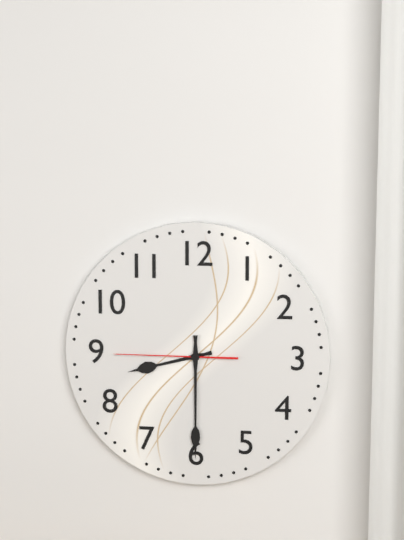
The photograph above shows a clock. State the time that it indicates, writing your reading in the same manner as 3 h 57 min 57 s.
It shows 8 h 30 min 45 s
